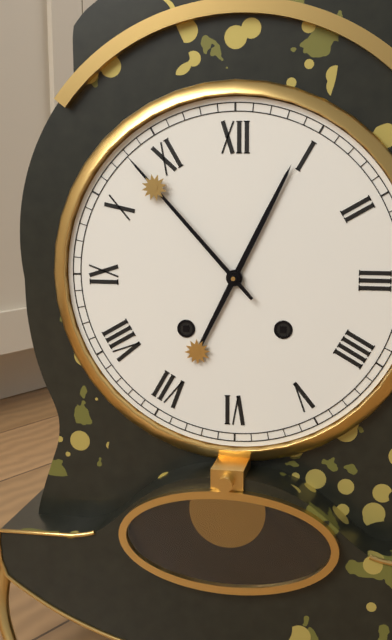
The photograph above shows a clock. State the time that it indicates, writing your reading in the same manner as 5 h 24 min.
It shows 12 h 53 min
